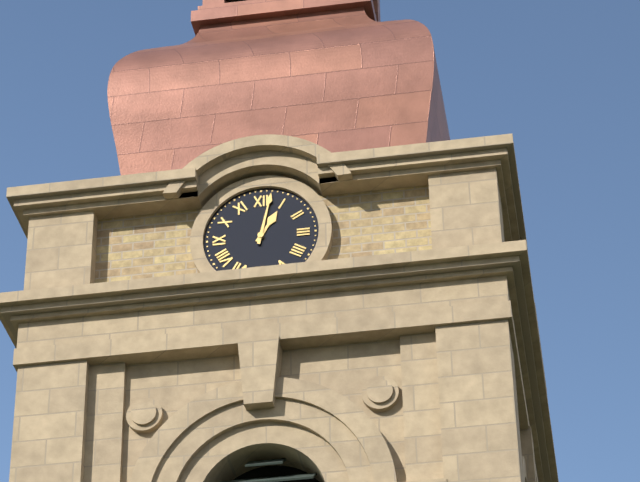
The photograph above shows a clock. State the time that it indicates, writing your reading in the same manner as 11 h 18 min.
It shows 1 h 02 min
